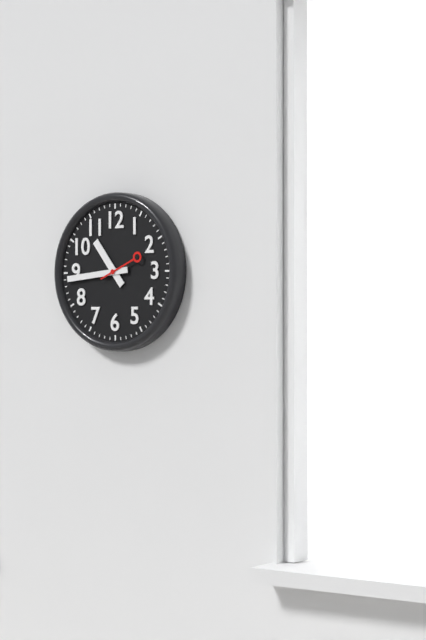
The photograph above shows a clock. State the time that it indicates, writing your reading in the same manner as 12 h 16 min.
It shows 10 h 44 min
